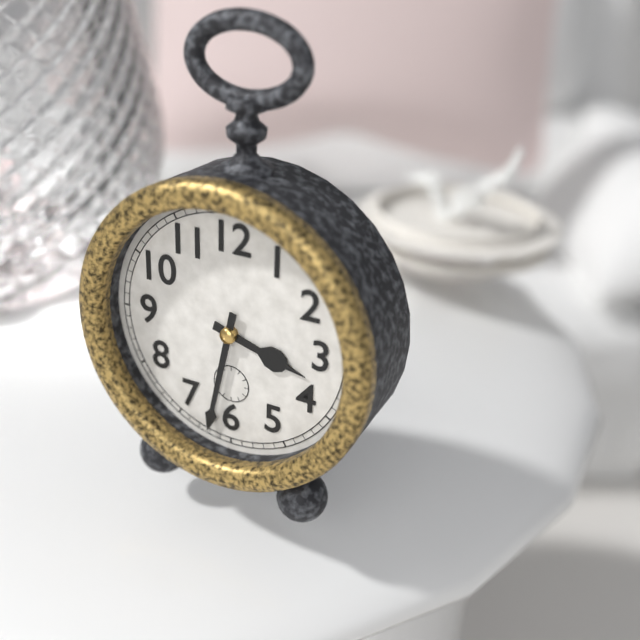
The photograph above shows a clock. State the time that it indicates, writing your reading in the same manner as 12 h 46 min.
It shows 3 h 32 min
